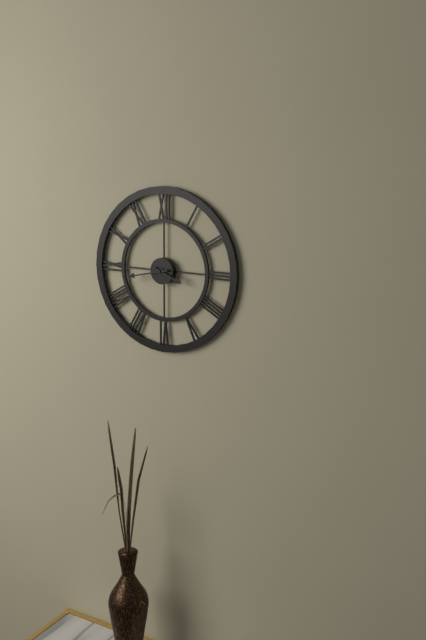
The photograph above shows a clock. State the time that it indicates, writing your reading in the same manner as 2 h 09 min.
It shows 3 h 43 min
